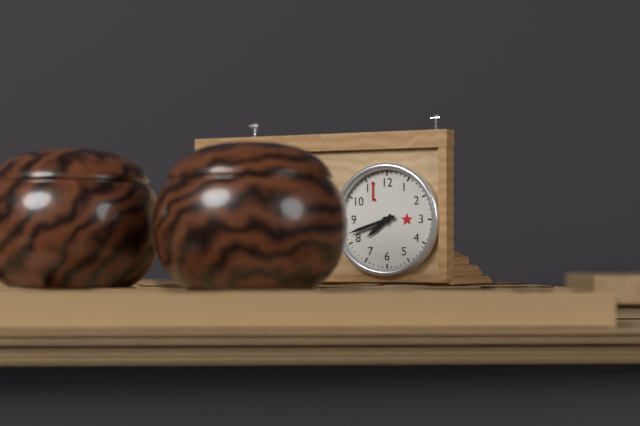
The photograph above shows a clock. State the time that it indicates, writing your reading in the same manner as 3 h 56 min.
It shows 7 h 42 min
